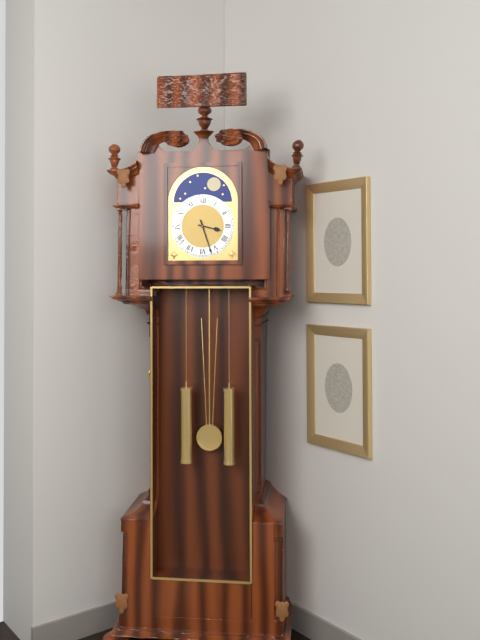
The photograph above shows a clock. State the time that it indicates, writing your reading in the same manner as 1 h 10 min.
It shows 3 h 27 min
